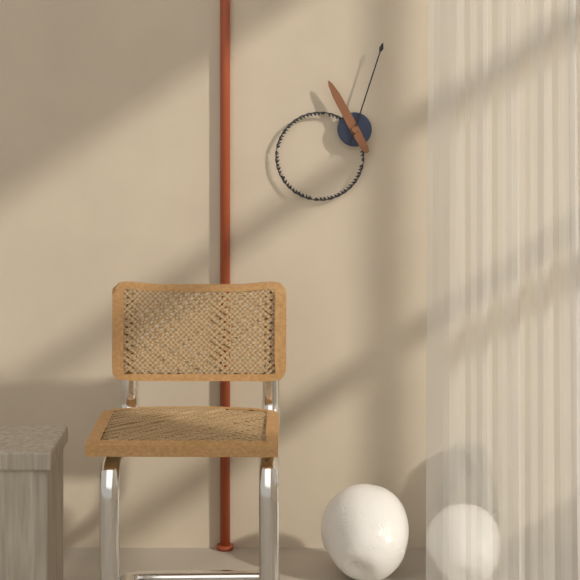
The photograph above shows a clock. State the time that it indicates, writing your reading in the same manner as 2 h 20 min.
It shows 11 h 03 min
